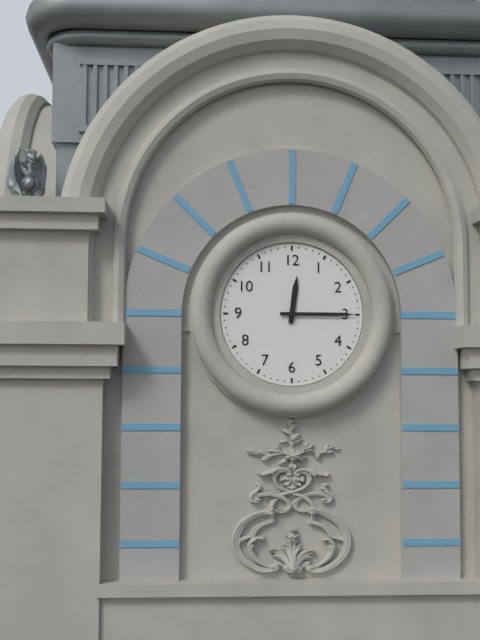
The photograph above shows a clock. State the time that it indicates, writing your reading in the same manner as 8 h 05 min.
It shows 12 h 15 min
